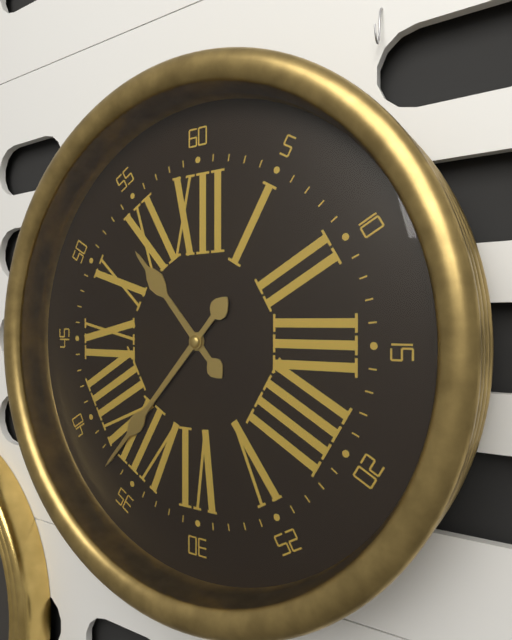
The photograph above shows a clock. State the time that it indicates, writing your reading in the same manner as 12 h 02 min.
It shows 10 h 37 min
